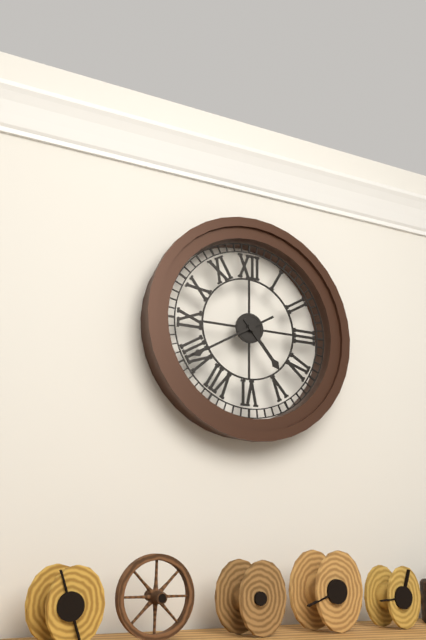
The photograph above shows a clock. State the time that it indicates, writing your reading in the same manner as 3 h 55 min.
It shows 4 h 40 min
